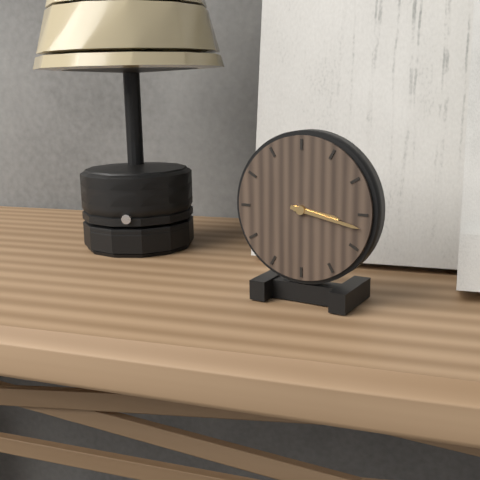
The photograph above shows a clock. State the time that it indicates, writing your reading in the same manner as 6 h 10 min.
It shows 3 h 17 min
